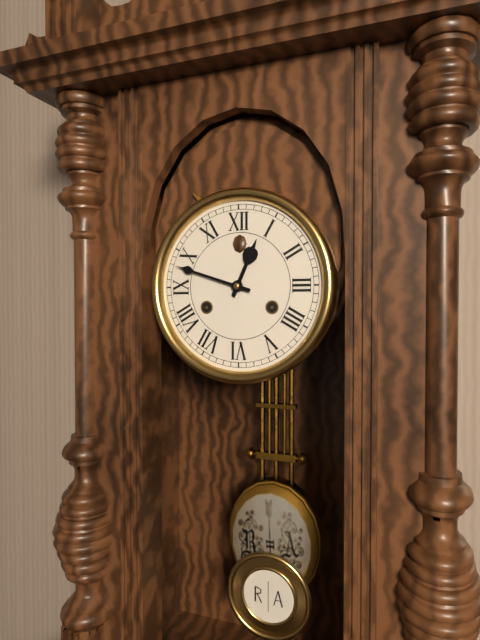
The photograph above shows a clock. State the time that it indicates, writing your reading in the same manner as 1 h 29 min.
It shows 12 h 48 min
